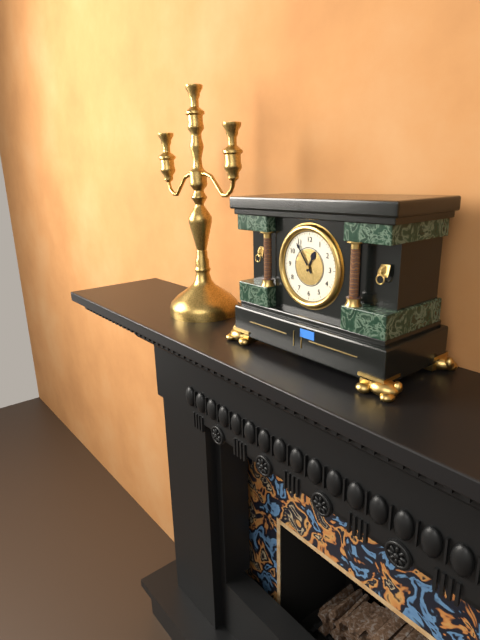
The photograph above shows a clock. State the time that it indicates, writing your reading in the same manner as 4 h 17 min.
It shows 12 h 54 min
